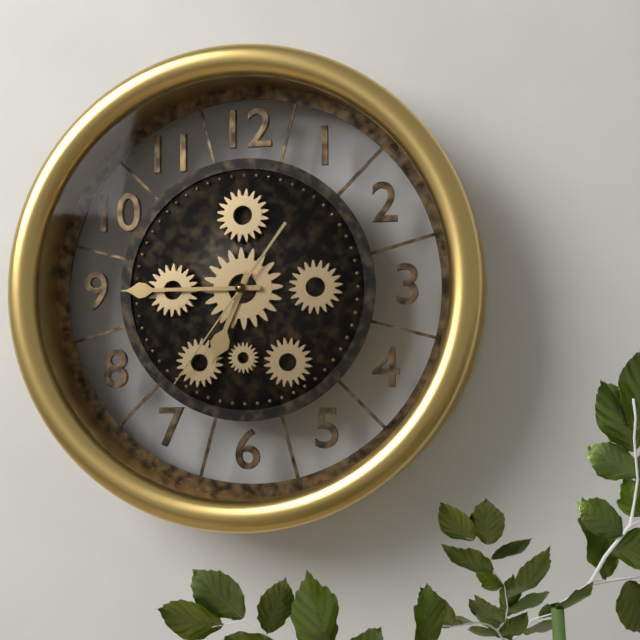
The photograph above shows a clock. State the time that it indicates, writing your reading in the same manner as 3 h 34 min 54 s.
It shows 6 h 45 min 36 s
